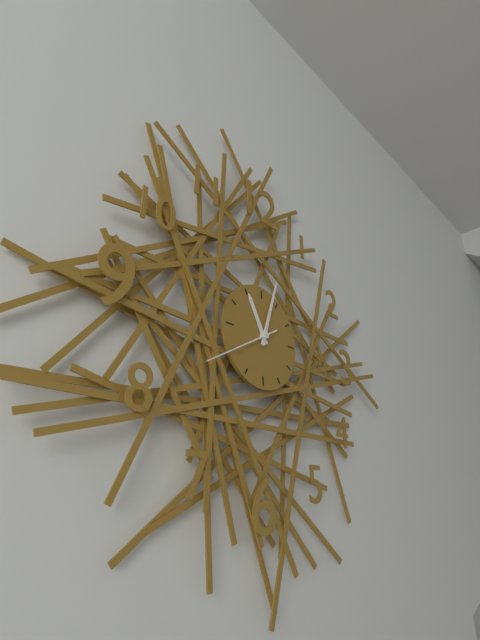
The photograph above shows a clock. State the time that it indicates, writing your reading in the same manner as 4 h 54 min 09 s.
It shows 11 h 03 min 40 s
